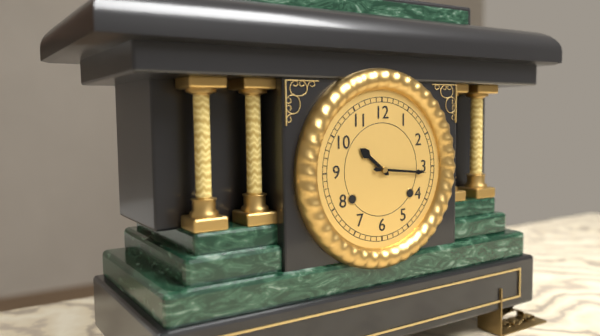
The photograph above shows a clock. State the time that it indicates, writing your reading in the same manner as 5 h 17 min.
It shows 10 h 16 min
